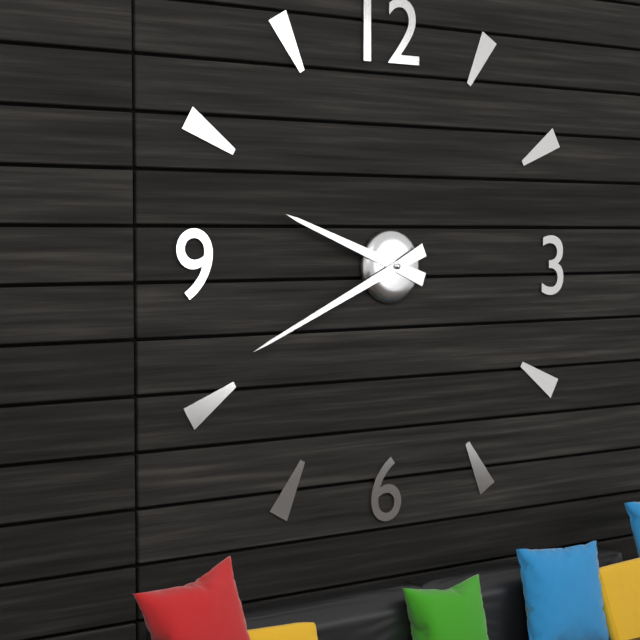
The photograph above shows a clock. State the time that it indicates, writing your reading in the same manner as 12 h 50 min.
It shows 9 h 41 min
